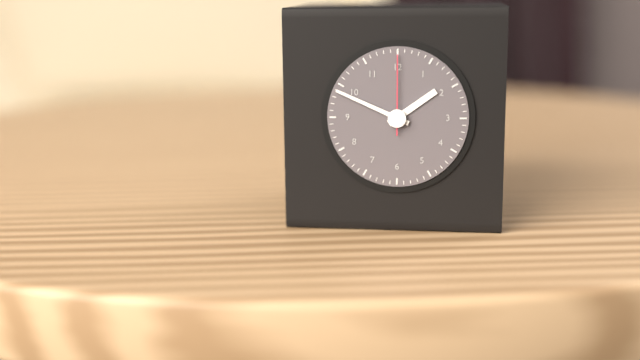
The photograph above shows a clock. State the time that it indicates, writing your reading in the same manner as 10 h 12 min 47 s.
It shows 1 h 49 min 00 s
